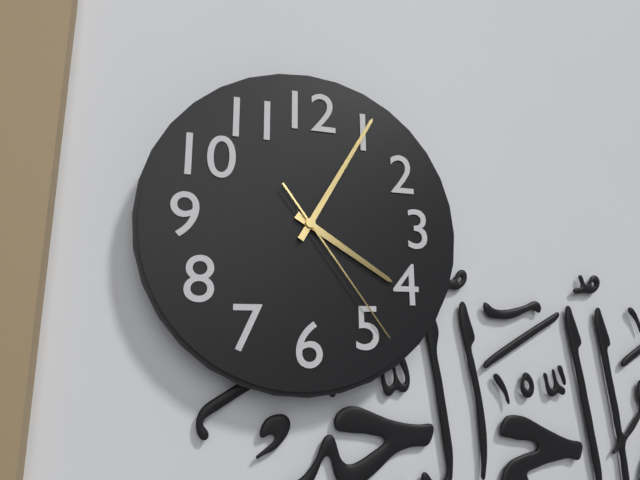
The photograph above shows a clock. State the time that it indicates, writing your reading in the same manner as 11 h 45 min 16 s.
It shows 4 h 05 min 24 s
